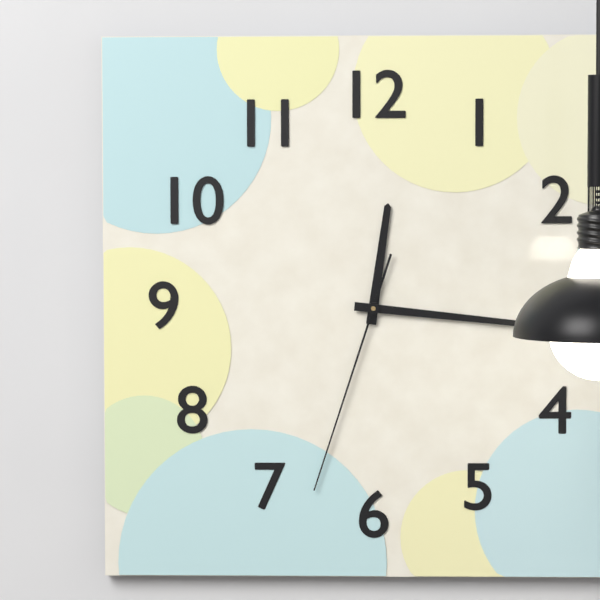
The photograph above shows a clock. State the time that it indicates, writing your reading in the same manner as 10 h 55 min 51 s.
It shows 12 h 16 min 33 s
